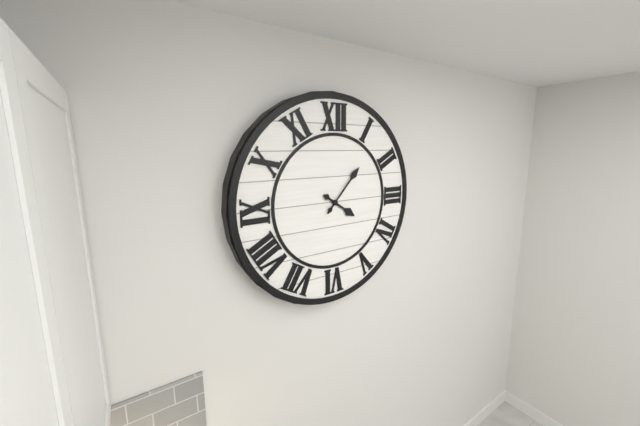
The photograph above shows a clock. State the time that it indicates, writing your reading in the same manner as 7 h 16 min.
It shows 4 h 07 min
